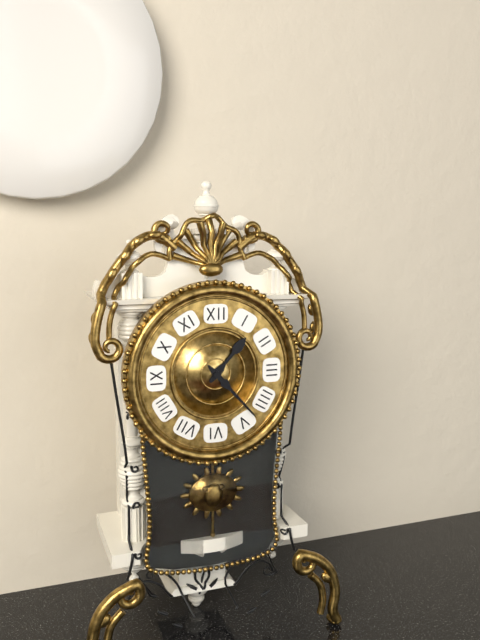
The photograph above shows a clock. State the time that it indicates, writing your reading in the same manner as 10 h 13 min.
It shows 1 h 23 min
